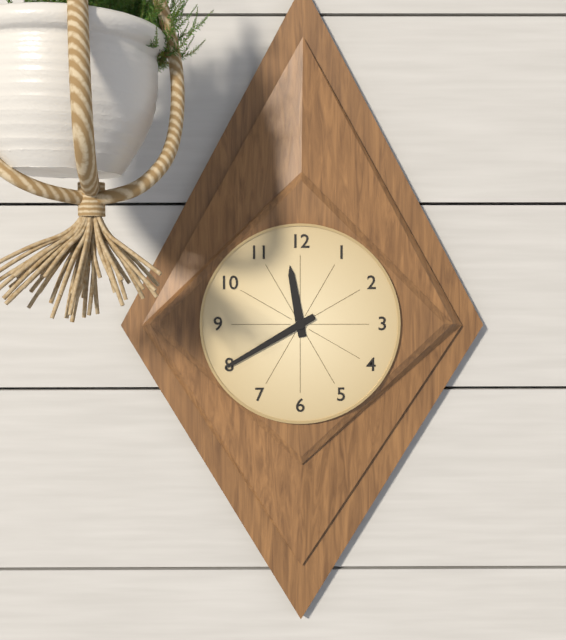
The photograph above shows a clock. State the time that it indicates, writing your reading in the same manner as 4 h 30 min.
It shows 11 h 40 min
